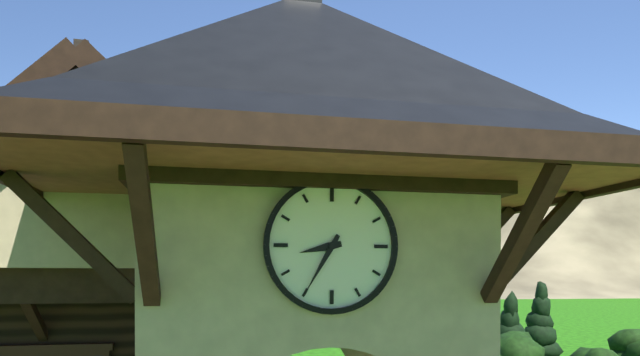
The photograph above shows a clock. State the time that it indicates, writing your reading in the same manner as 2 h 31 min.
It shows 8 h 35 min
